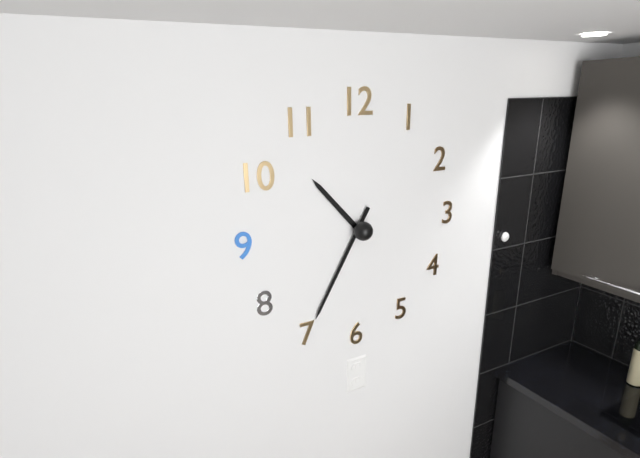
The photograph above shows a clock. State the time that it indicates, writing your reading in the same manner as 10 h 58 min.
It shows 10 h 35 min
